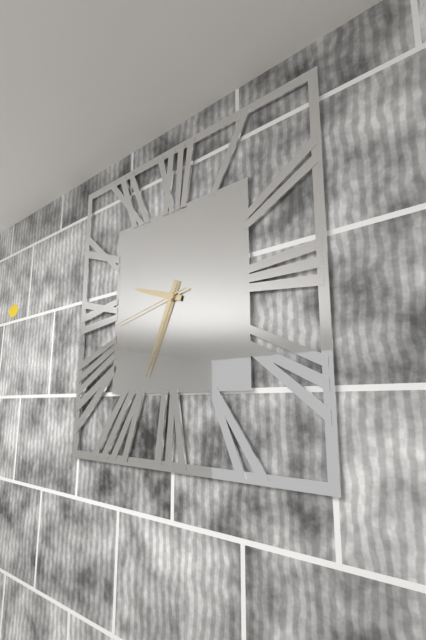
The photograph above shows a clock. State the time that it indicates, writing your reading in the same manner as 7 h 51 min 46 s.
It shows 9 h 34 min 43 s
